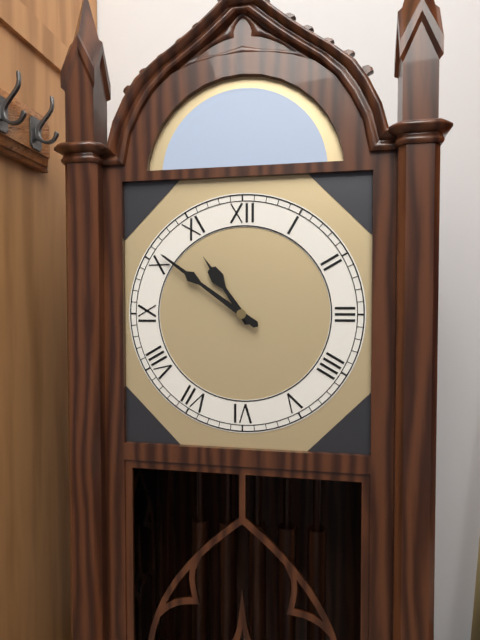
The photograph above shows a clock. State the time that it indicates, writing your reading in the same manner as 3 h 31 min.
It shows 10 h 51 min
